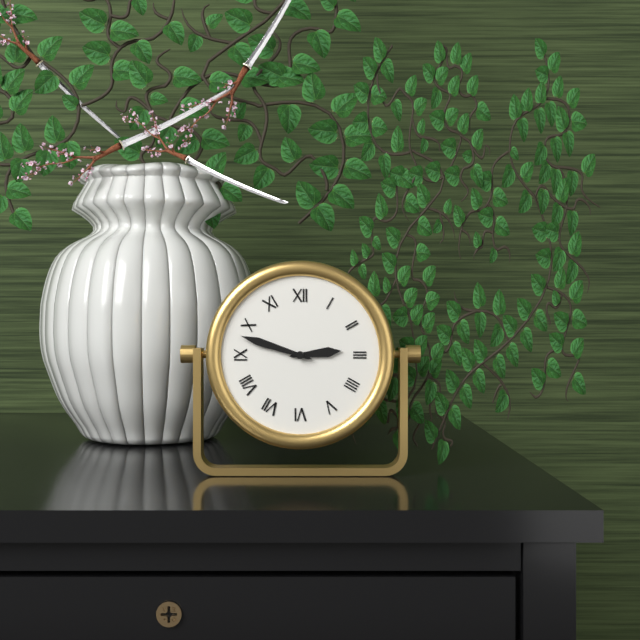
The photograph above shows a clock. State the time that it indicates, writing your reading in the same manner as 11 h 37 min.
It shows 2 h 48 min
